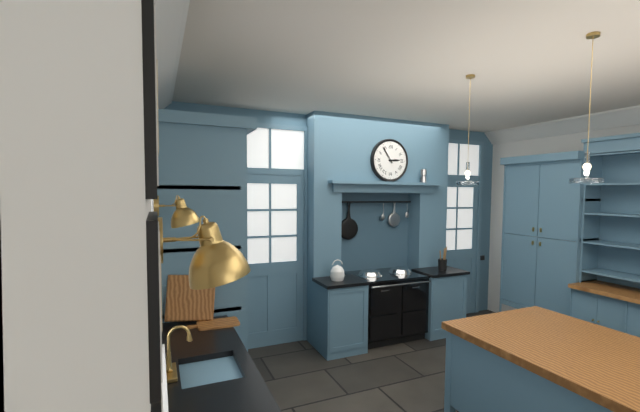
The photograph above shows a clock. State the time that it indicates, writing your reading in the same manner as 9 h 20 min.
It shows 2 h 54 min
